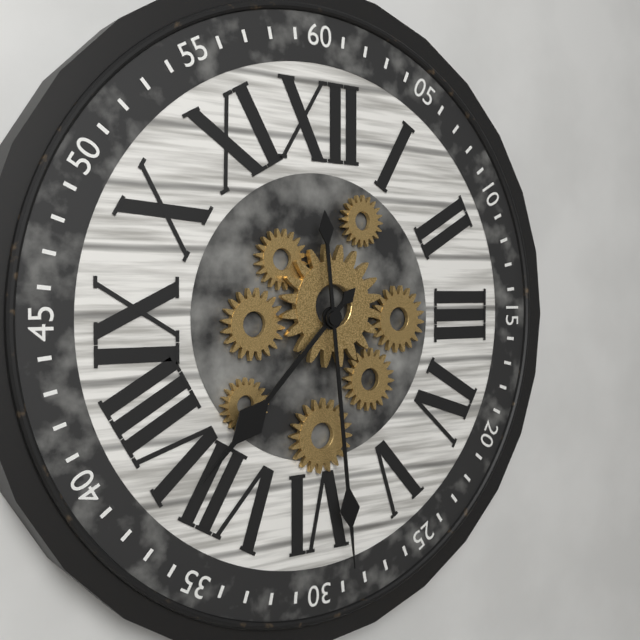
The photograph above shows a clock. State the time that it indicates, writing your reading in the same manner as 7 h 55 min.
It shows 7 h 29 min
